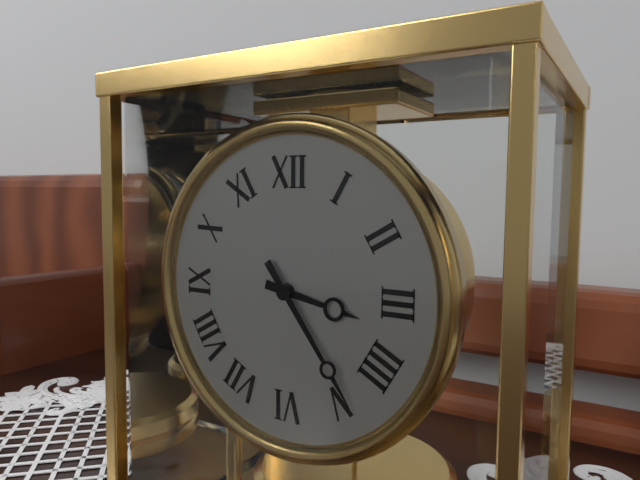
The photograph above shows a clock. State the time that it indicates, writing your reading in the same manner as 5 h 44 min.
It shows 3 h 24 min
